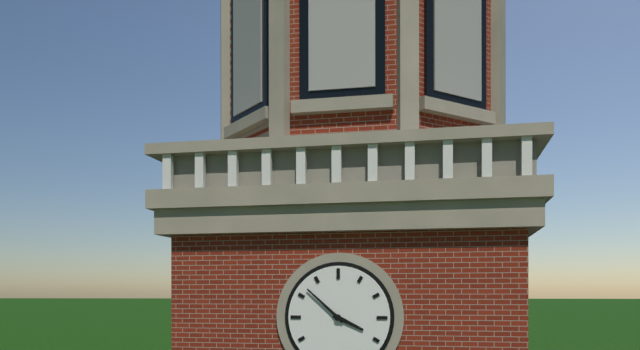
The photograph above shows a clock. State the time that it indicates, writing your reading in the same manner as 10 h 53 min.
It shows 3 h 52 min
